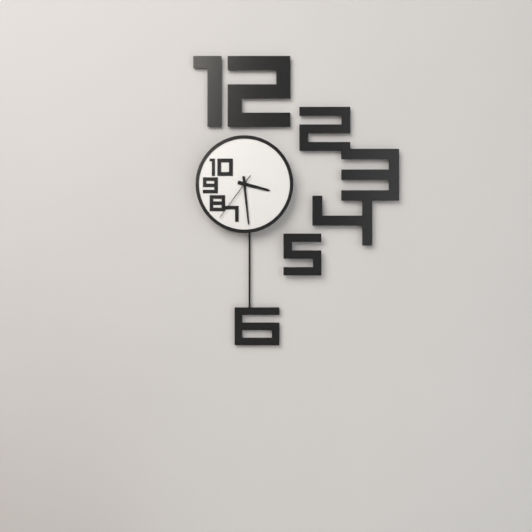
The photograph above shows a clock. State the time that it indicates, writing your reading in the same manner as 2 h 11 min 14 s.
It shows 3 h 29 min 36 s
